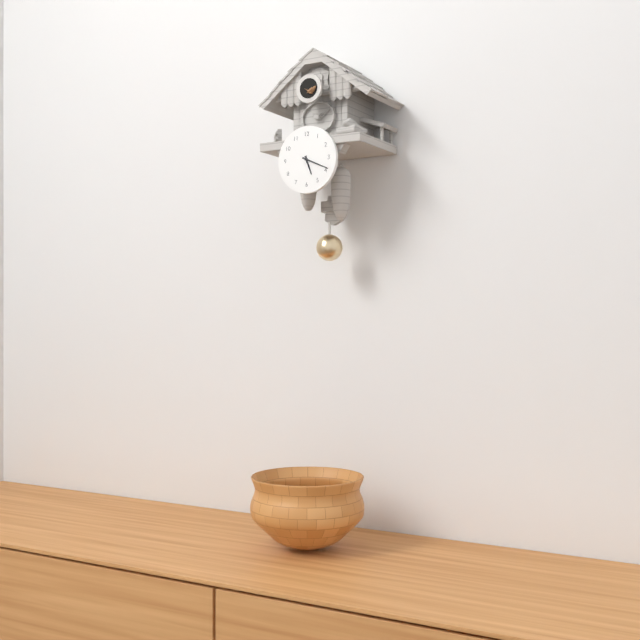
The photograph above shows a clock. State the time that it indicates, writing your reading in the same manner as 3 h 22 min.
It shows 5 h 19 min
